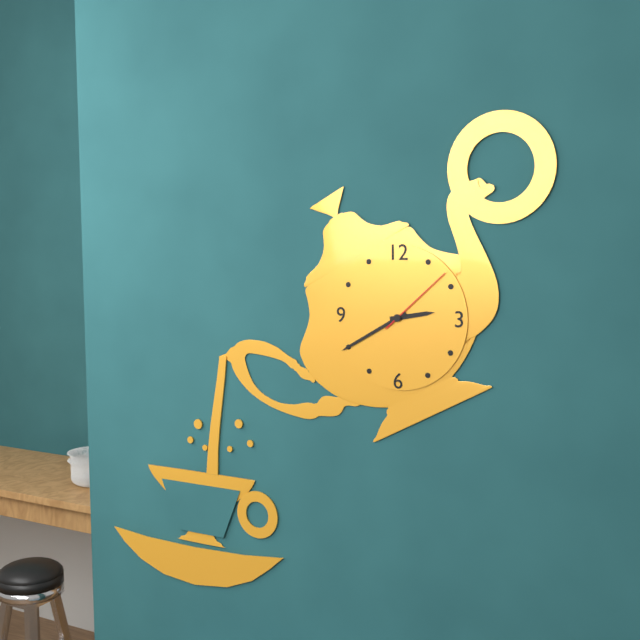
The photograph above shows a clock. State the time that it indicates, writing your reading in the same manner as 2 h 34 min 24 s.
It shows 2 h 40 min 08 s
